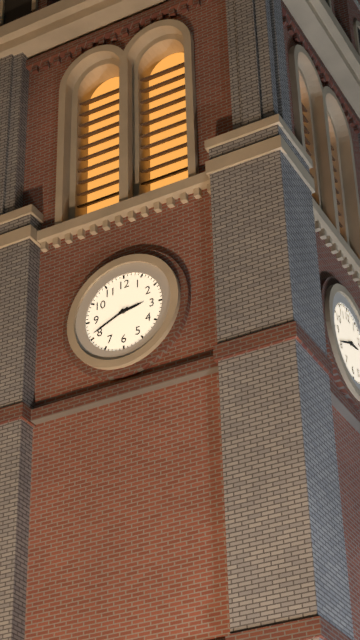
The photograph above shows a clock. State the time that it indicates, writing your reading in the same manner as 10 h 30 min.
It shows 2 h 41 min
